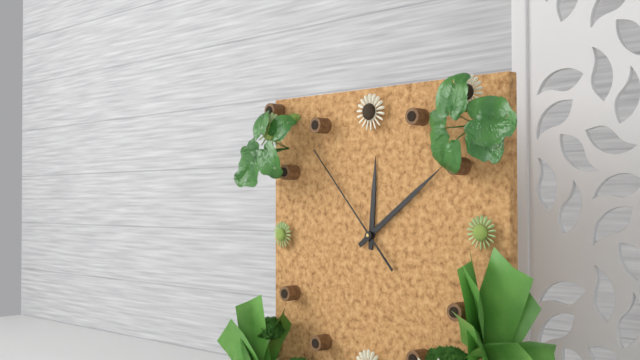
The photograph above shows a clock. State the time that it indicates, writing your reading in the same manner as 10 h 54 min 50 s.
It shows 12 h 09 min 53 s
